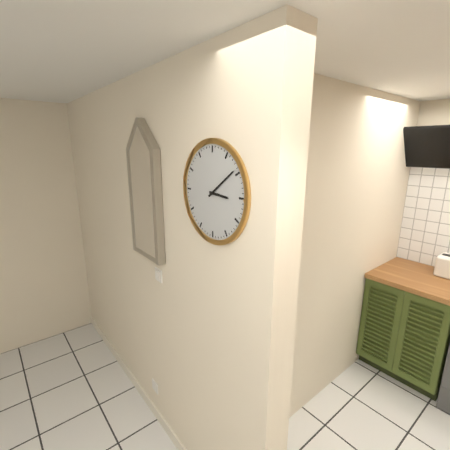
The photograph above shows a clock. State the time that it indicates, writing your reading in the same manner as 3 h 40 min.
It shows 3 h 09 min
